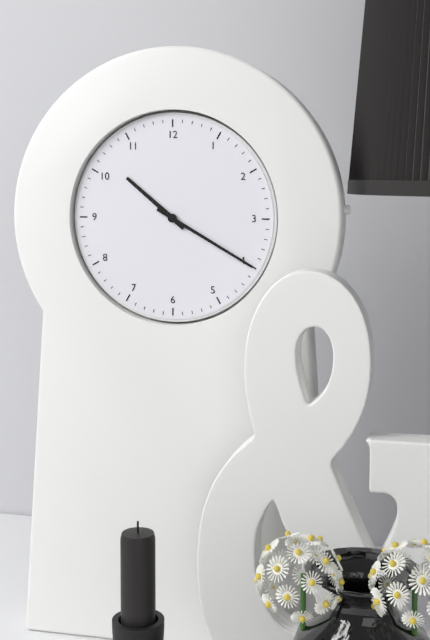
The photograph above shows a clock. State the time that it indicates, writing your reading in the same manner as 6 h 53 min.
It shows 10 h 20 min
